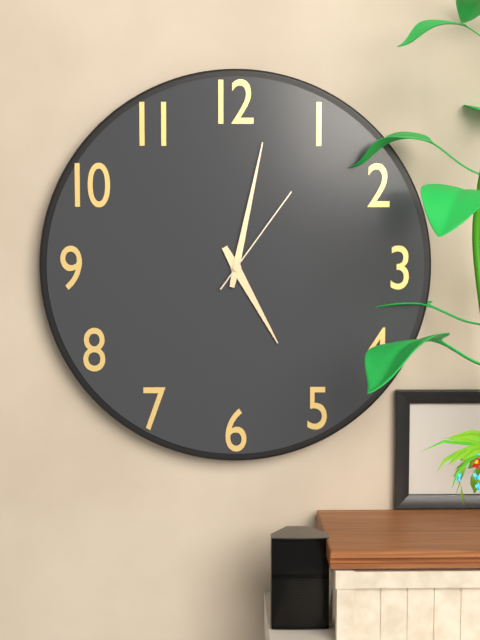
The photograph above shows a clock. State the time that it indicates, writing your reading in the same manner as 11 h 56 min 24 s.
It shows 5 h 02 min 06 s
